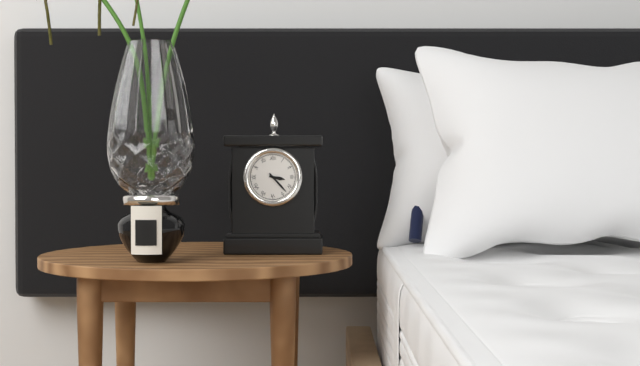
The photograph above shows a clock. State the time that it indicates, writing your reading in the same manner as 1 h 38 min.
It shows 3 h 23 min
